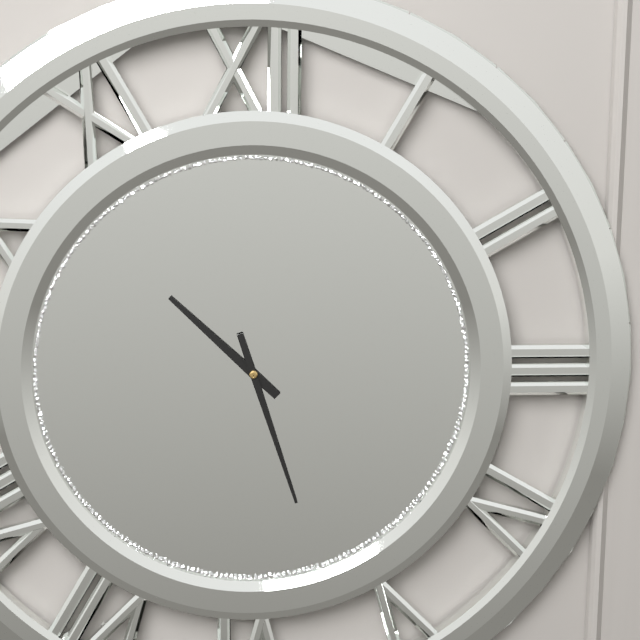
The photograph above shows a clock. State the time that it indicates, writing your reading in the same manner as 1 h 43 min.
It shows 10 h 27 min
